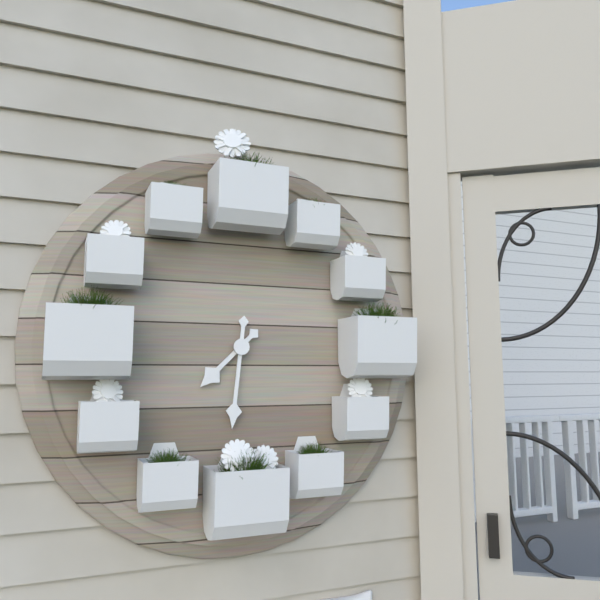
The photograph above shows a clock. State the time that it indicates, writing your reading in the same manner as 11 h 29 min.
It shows 7 h 31 min
